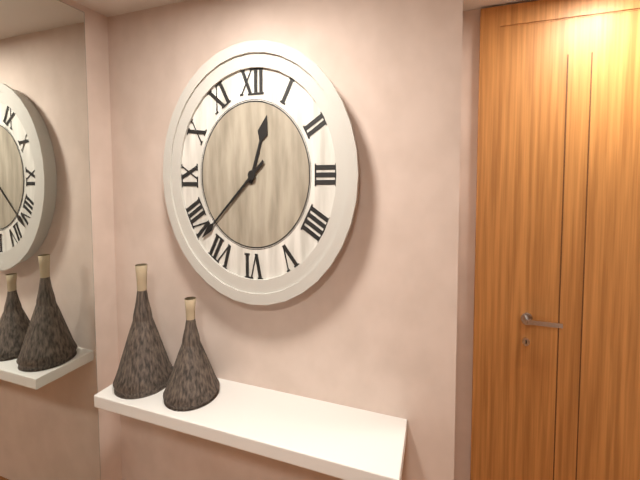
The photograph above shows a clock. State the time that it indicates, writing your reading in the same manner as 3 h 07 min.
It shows 12 h 38 min
